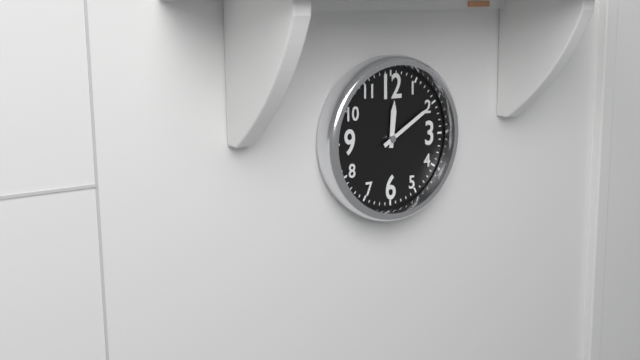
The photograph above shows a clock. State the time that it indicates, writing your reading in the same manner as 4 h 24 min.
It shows 12 h 10 min
